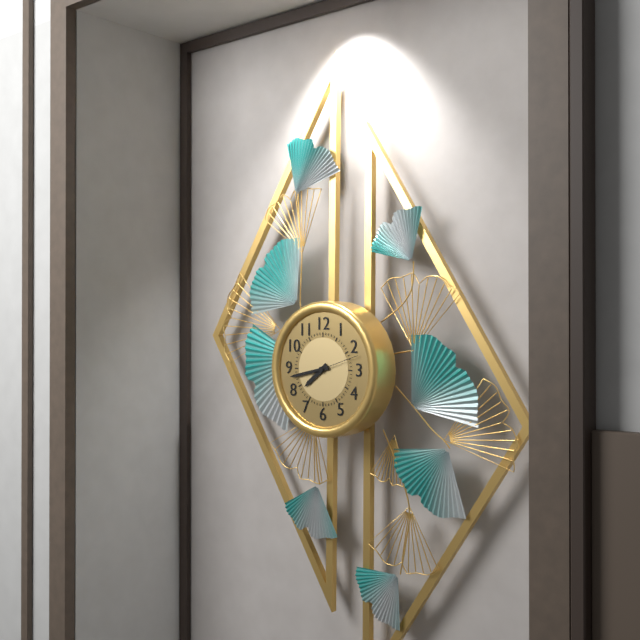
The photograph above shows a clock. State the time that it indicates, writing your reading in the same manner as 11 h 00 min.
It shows 7 h 43 min
